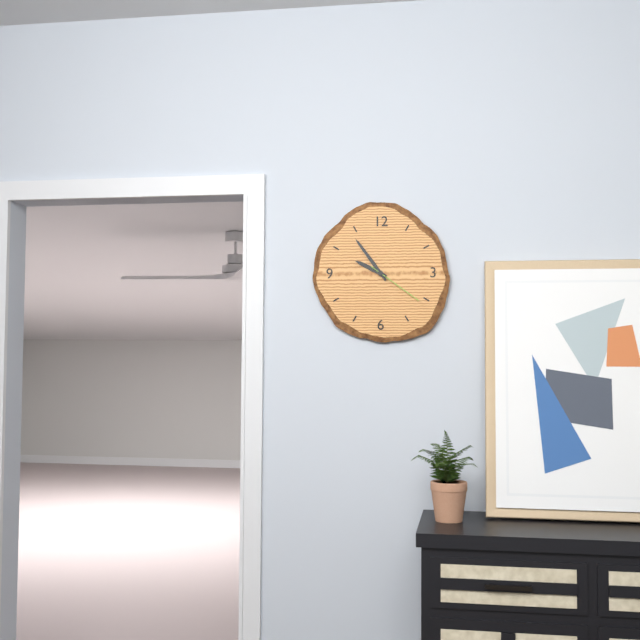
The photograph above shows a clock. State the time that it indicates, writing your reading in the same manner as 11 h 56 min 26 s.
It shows 9 h 54 min 21 s
